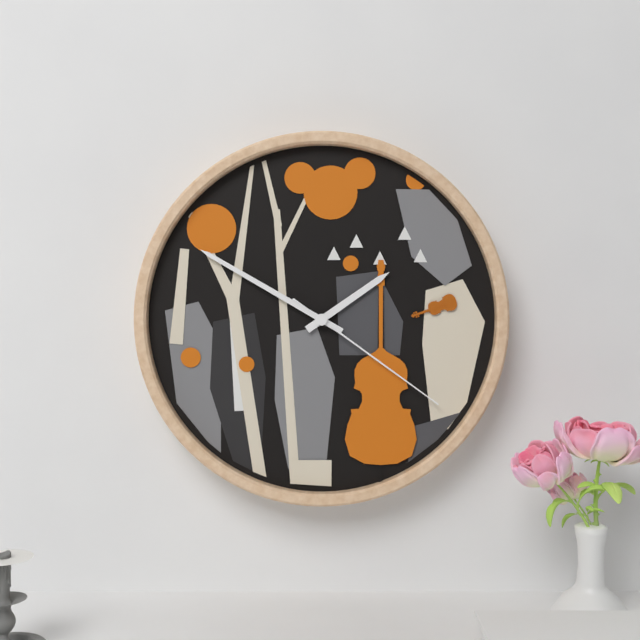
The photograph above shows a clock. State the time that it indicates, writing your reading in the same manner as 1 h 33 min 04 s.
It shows 1 h 50 min 21 s
